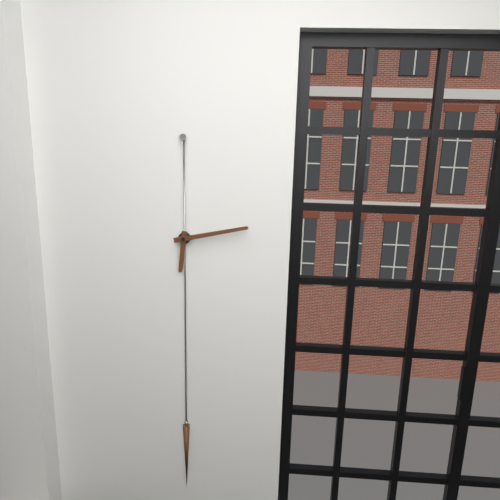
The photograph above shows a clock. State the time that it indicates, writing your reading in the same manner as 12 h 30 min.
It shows 6 h 13 min
